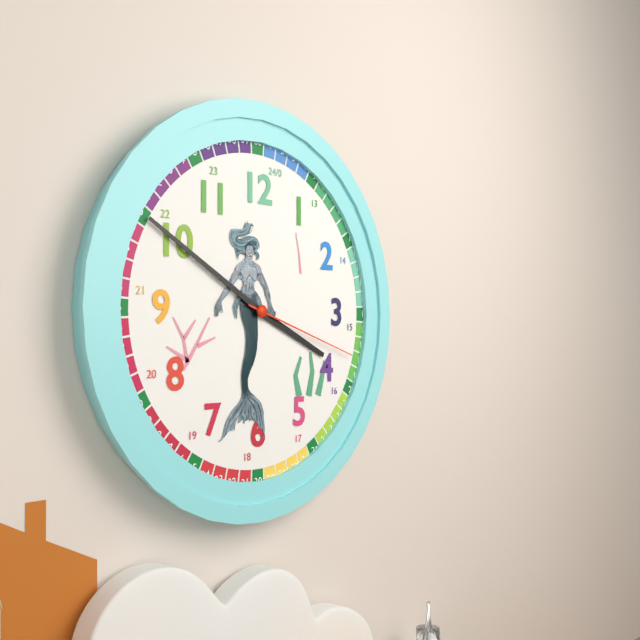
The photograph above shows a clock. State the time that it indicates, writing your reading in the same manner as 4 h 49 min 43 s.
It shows 3 h 50 min 18 s
